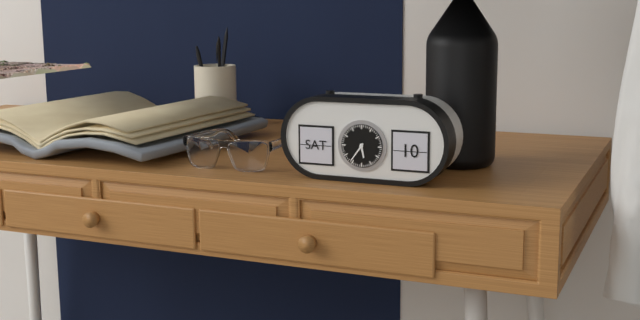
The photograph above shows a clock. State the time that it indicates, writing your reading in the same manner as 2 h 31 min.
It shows 5 h 36 min
